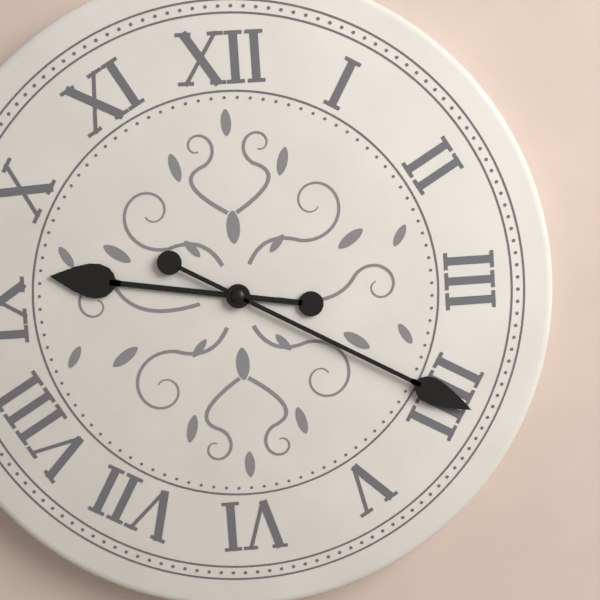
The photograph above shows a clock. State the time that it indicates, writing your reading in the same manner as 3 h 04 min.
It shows 9 h 20 min
